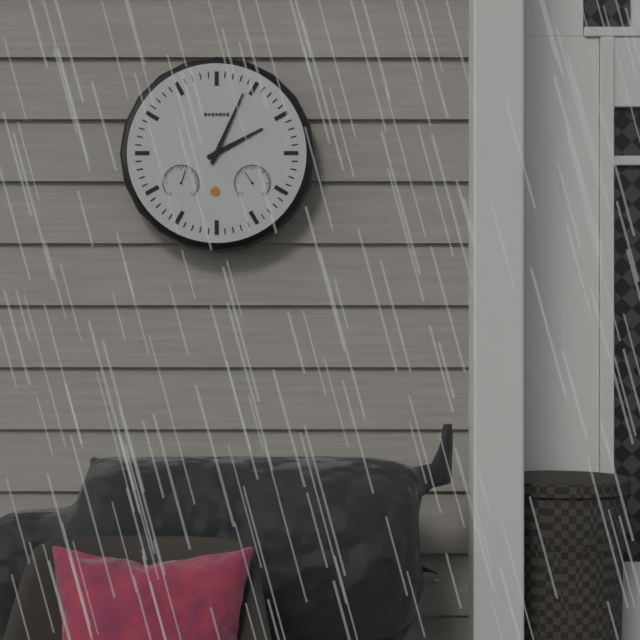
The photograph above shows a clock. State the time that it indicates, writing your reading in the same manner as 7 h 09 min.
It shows 2 h 04 min
